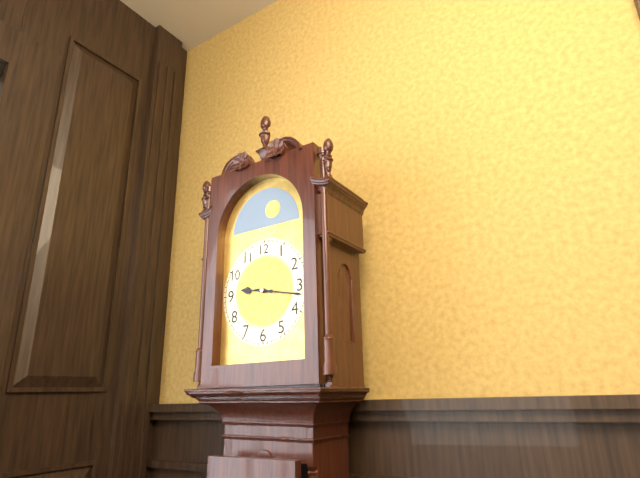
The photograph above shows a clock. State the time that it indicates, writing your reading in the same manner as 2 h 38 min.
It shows 9 h 17 min
